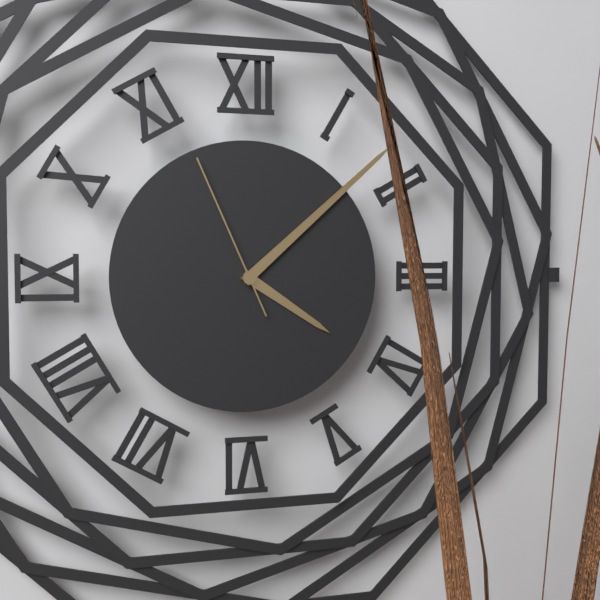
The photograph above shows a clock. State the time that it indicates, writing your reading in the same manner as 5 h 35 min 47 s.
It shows 4 h 08 min 56 s
